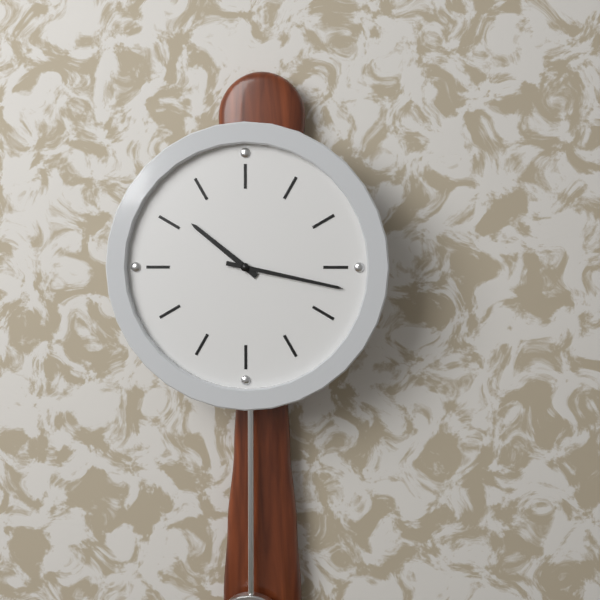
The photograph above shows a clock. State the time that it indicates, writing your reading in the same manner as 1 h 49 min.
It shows 10 h 17 min
